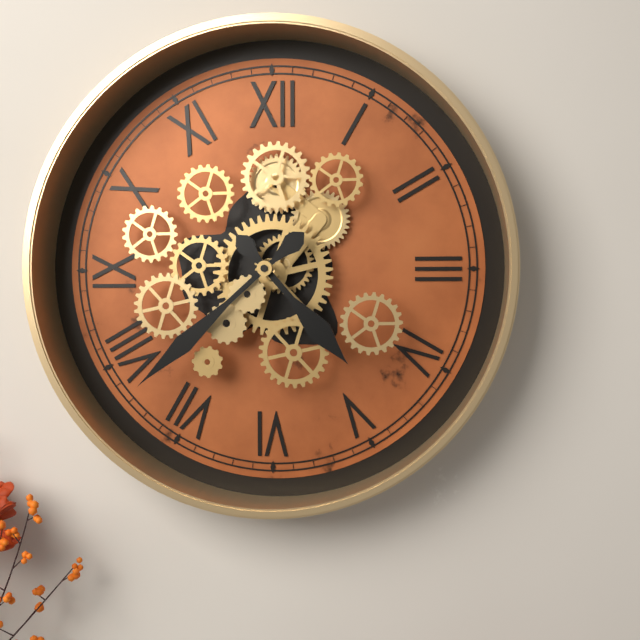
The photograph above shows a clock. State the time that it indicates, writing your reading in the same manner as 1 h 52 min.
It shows 4 h 38 min
